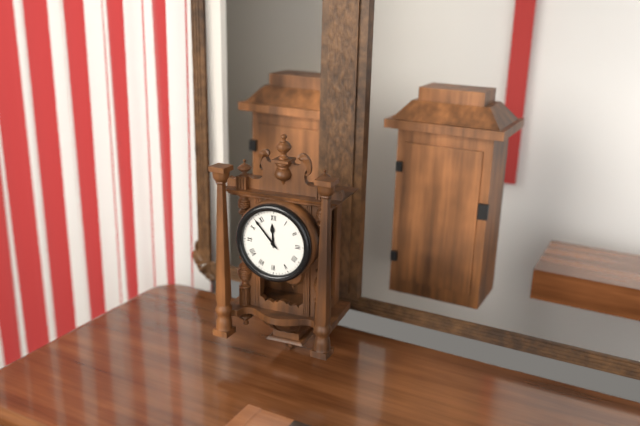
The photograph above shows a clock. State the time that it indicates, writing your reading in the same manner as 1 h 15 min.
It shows 11 h 53 min
